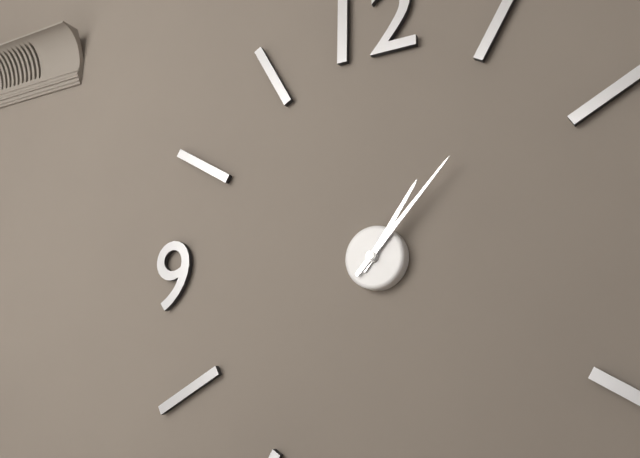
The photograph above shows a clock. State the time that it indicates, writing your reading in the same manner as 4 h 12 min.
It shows 1 h 07 min
